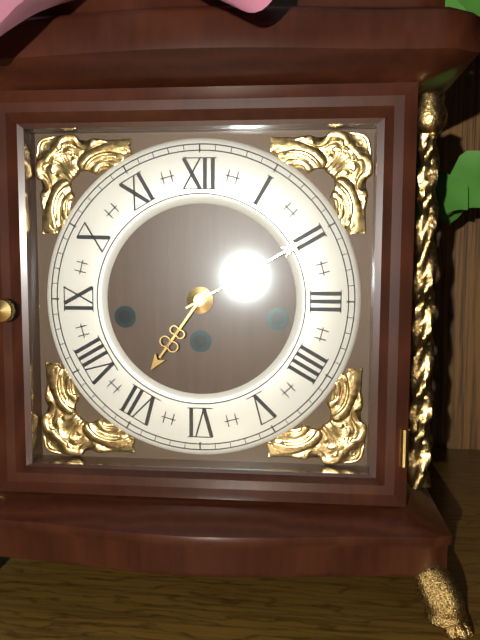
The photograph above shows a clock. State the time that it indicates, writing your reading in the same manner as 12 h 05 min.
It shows 7 h 10 min
